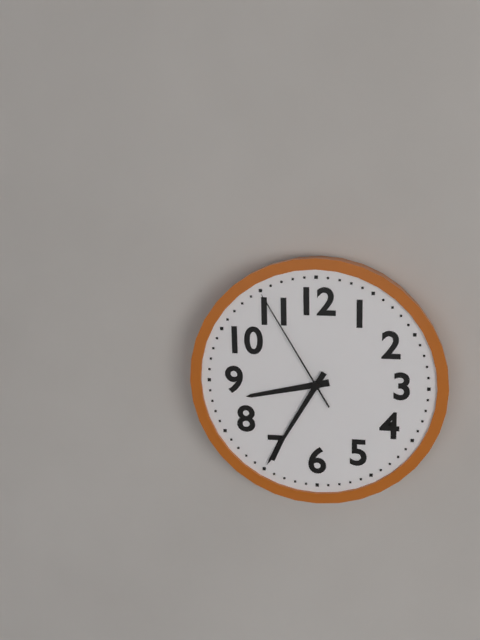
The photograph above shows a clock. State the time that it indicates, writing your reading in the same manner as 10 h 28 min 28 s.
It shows 8 h 35 min 55 s
